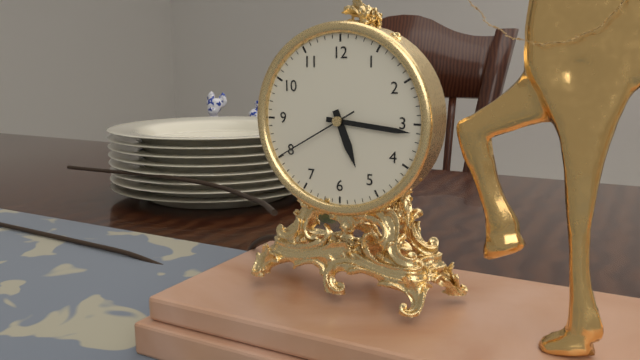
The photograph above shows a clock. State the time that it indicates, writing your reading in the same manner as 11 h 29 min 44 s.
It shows 5 h 16 min 40 s
